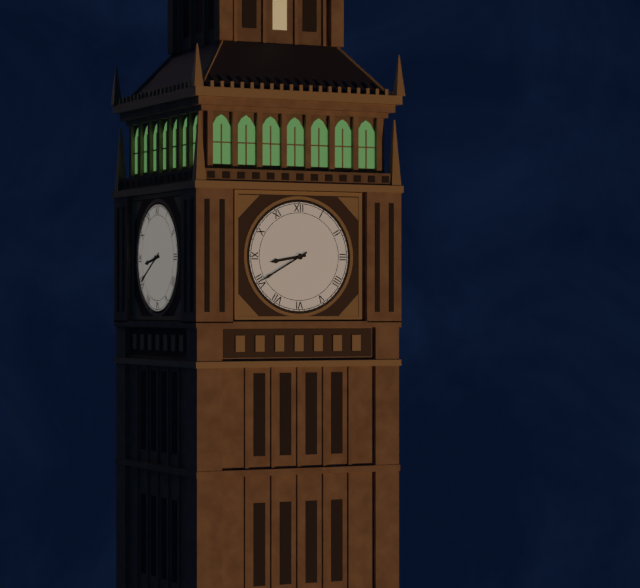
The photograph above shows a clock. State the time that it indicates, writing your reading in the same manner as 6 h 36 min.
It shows 8 h 40 min
